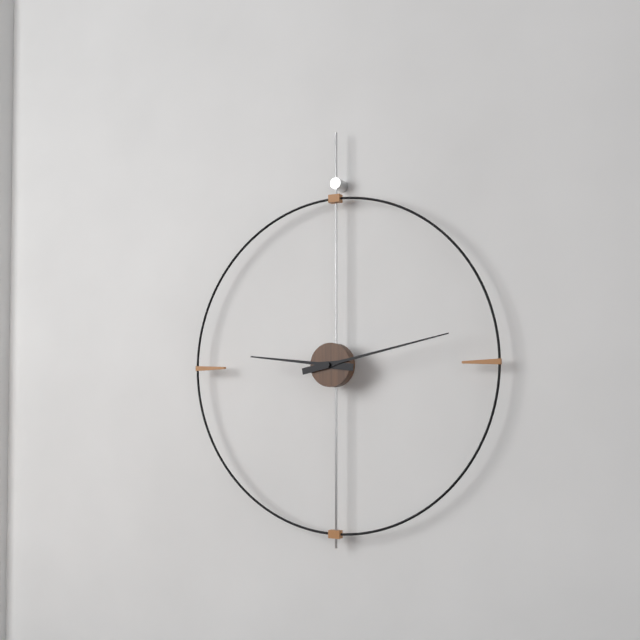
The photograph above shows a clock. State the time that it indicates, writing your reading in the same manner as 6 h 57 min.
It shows 9 h 13 min
